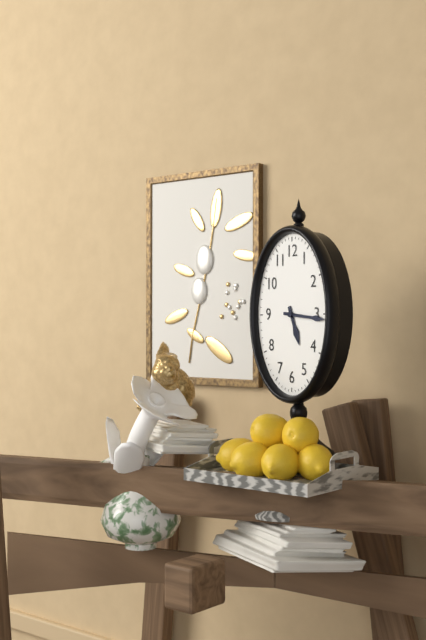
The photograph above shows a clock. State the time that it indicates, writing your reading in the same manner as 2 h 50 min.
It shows 5 h 16 min
